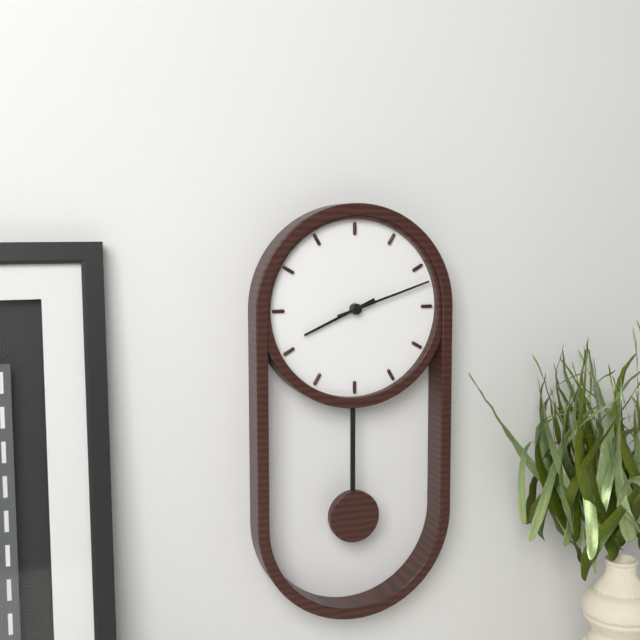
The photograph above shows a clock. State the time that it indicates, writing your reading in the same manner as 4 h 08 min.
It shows 8 h 12 min
